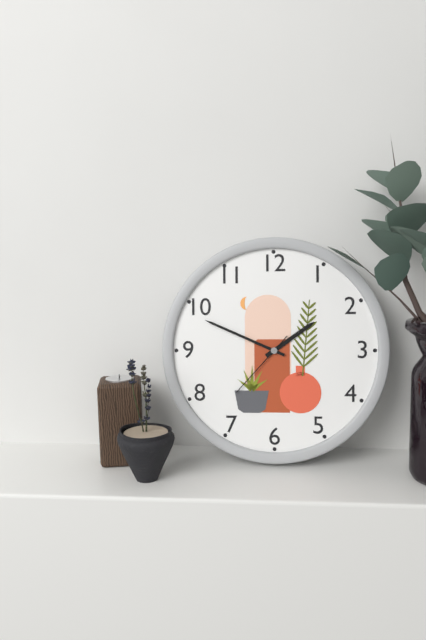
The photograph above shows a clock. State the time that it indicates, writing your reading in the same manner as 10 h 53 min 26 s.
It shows 1 h 49 min 37 s
